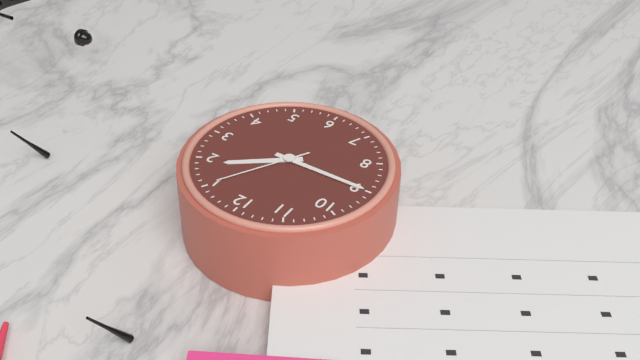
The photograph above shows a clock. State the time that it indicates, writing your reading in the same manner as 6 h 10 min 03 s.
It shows 1 h 45 min 05 s
